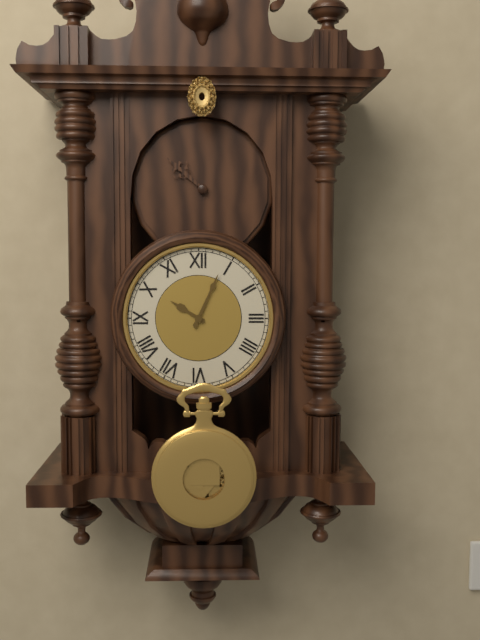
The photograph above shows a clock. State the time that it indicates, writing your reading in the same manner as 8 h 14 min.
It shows 10 h 04 min
